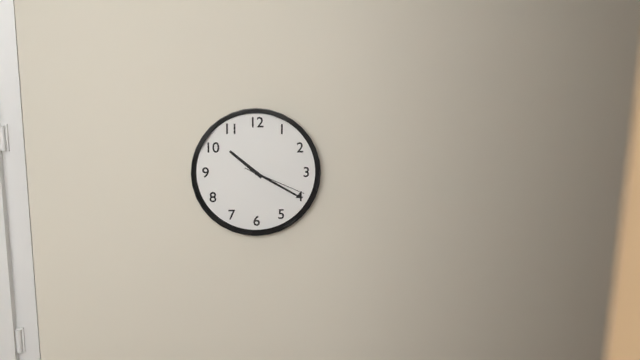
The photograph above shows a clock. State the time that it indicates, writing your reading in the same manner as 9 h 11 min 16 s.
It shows 10 h 20 min 19 s
